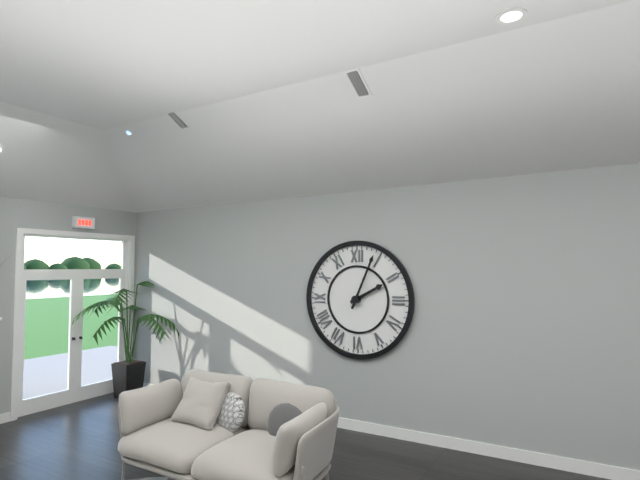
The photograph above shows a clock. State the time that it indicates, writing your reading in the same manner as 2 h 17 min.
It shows 2 h 04 min
